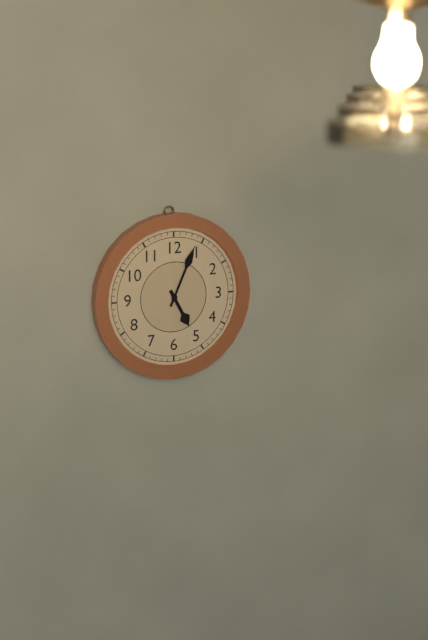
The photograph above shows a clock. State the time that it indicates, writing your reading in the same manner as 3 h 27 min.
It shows 5 h 04 min
